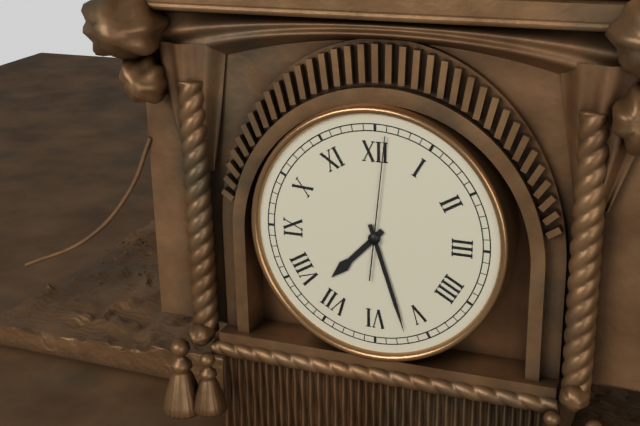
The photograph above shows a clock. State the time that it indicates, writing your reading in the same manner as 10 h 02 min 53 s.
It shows 7 h 27 min 01 s
